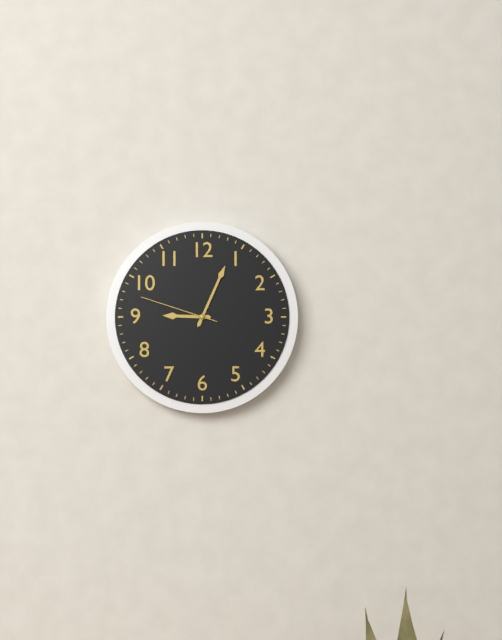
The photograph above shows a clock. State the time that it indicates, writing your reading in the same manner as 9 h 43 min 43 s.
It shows 9 h 04 min 48 s
